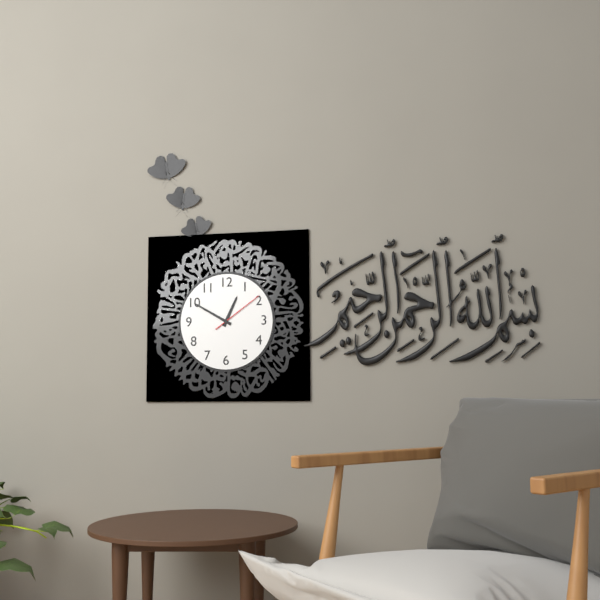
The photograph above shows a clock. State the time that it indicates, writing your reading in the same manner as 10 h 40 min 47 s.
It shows 12 h 50 min 09 s
